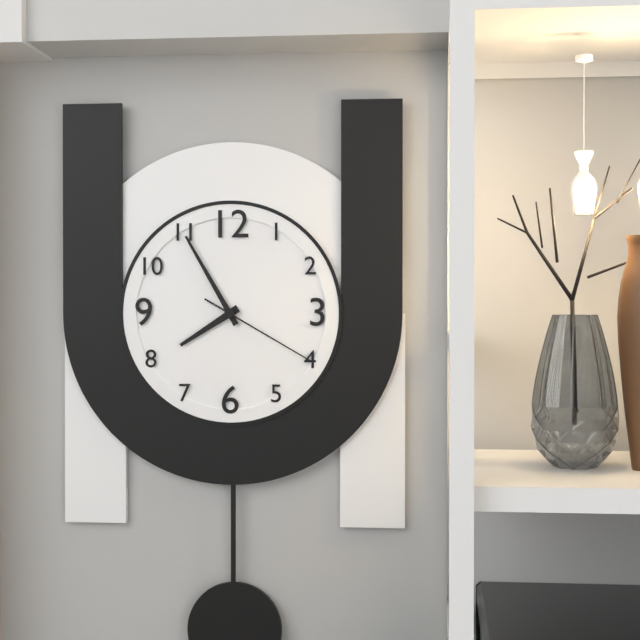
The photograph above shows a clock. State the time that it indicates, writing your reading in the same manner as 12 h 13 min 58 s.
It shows 7 h 55 min 20 s
